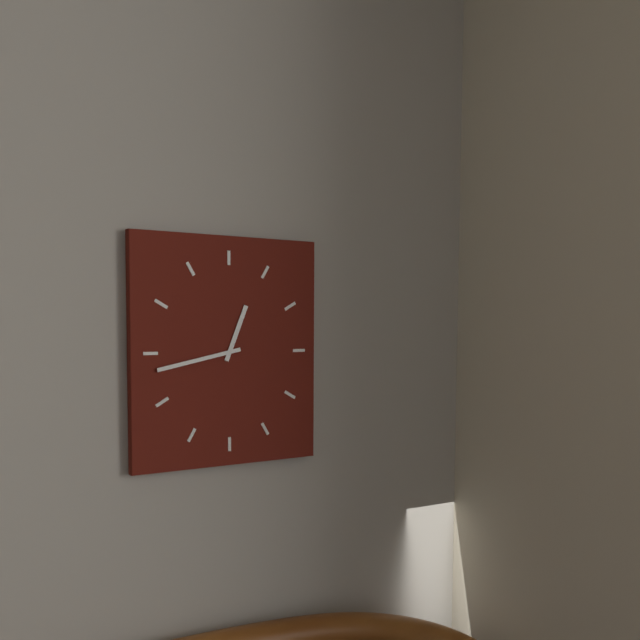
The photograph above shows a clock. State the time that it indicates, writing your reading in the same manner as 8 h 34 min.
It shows 12 h 43 min
